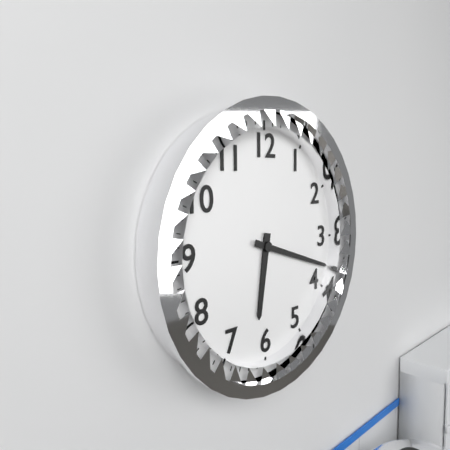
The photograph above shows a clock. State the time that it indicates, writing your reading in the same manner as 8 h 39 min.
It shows 6 h 18 min
